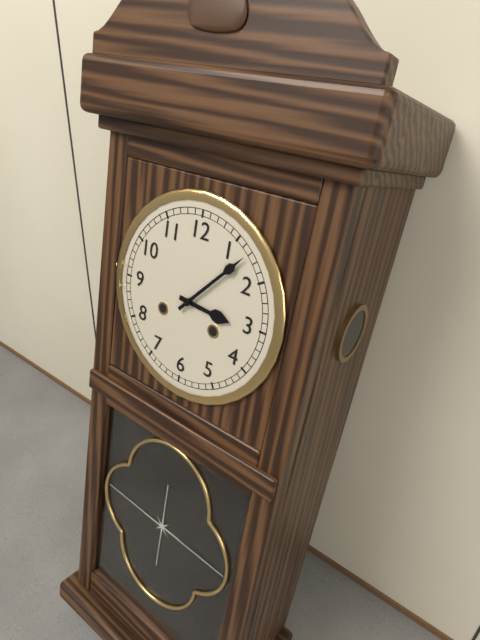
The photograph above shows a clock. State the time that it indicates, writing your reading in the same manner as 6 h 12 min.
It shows 3 h 07 min
